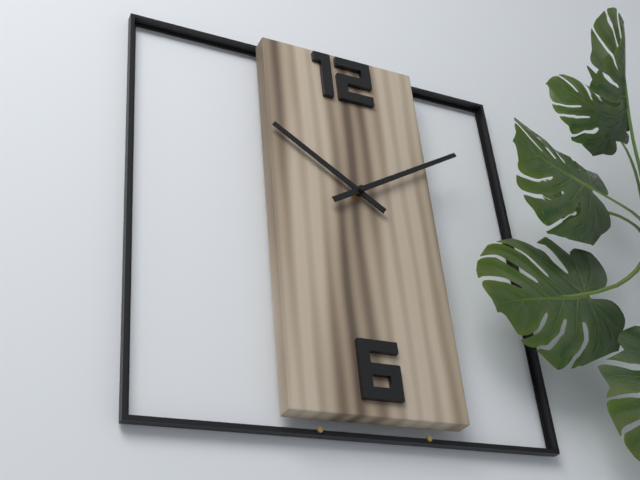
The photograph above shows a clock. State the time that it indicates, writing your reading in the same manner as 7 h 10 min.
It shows 10 h 10 min
